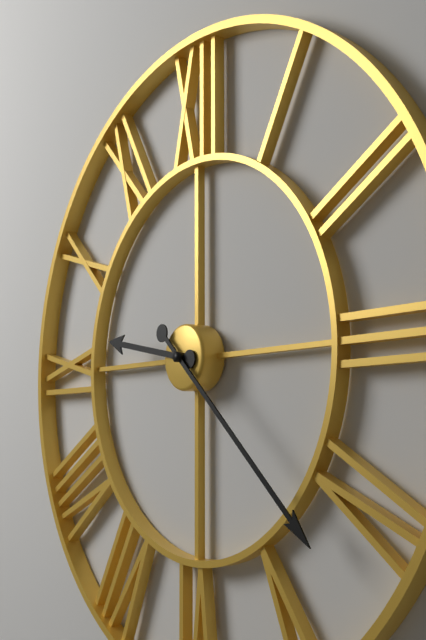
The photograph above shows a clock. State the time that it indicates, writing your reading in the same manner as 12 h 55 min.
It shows 9 h 22 min
